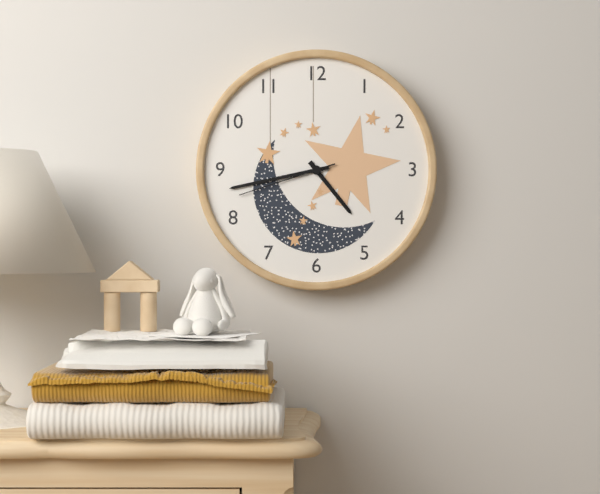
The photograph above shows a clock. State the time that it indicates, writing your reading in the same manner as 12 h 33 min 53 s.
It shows 4 h 43 min 42 s
